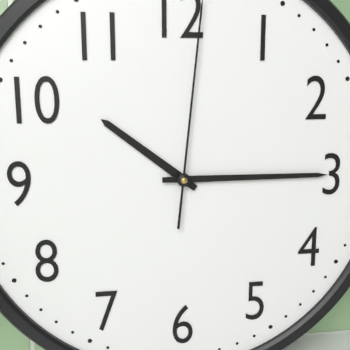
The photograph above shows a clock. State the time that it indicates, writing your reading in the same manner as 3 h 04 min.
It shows 10 h 15 min
